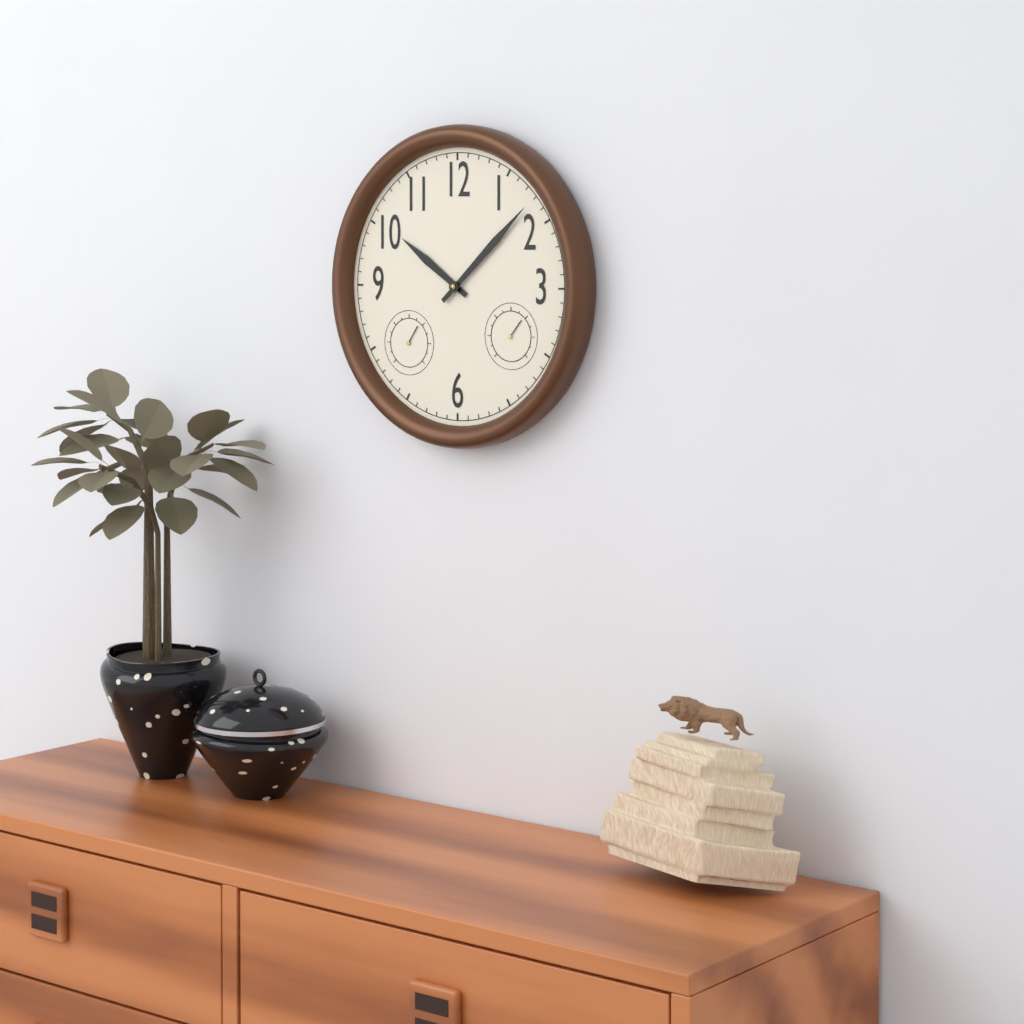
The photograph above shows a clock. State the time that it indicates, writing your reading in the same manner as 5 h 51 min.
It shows 10 h 08 min
